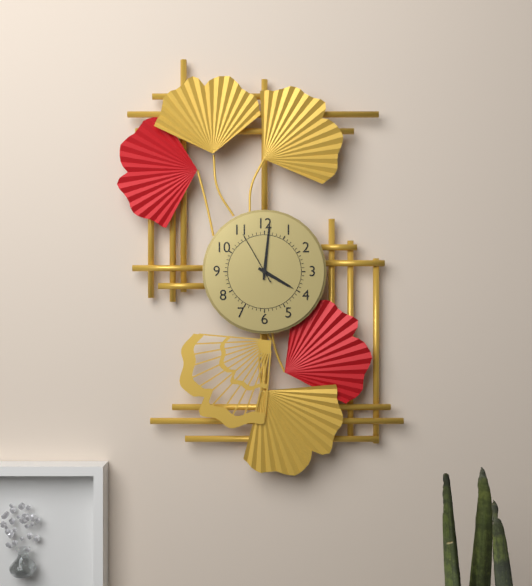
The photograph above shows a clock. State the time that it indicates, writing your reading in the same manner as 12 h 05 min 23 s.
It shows 4 h 01 min 55 s
